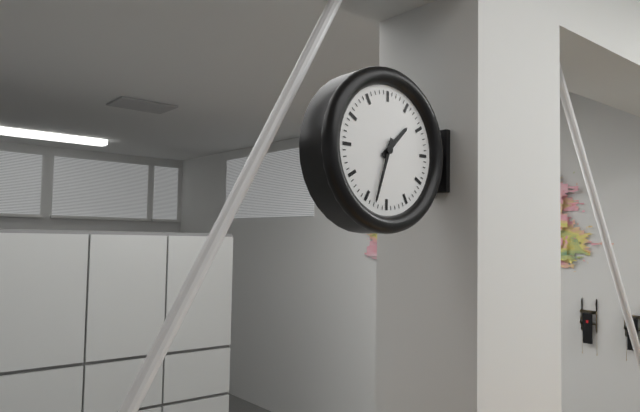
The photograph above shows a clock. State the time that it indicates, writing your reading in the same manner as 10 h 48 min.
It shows 1 h 33 min
